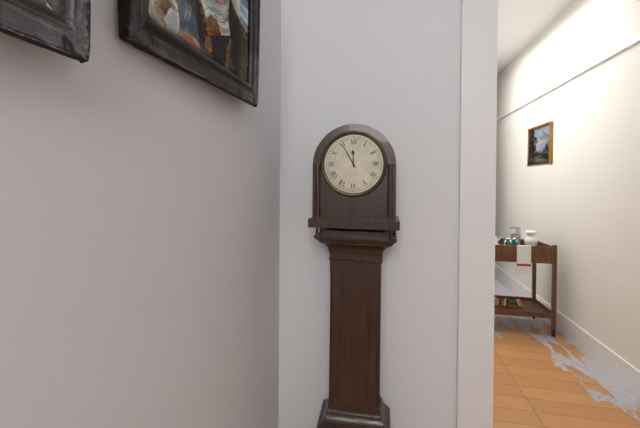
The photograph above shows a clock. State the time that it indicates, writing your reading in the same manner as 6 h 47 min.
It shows 11 h 55 min
